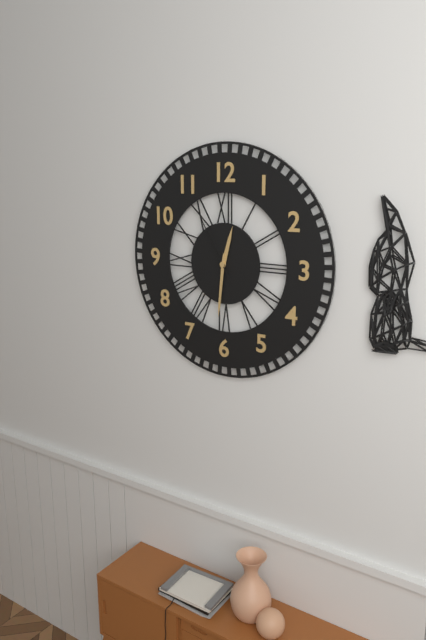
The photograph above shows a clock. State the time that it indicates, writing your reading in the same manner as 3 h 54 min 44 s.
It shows 12 h 31 min 55 s
